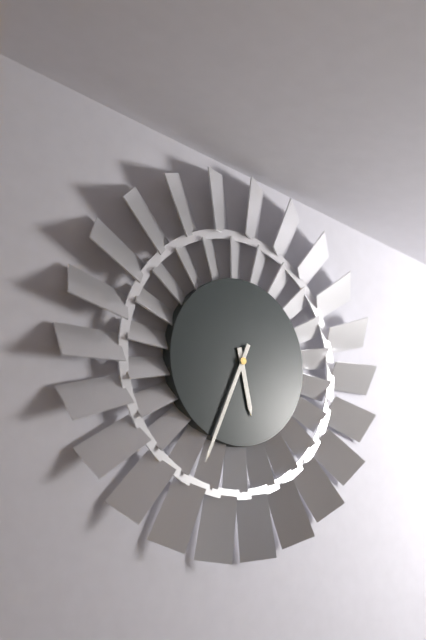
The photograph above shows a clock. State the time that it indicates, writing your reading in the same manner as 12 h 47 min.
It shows 5 h 34 min
